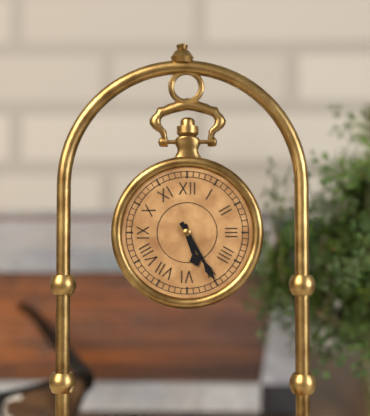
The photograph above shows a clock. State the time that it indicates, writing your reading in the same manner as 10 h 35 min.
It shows 5 h 25 min
